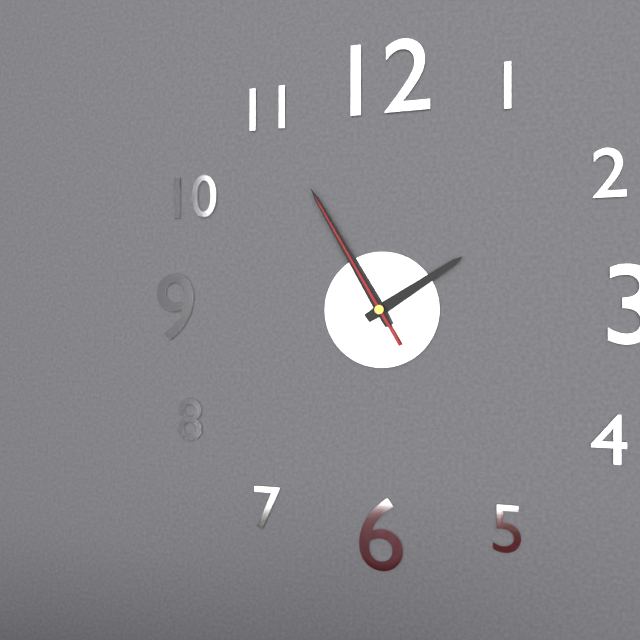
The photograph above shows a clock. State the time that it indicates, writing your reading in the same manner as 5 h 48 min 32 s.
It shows 1 h 55 min 55 s
